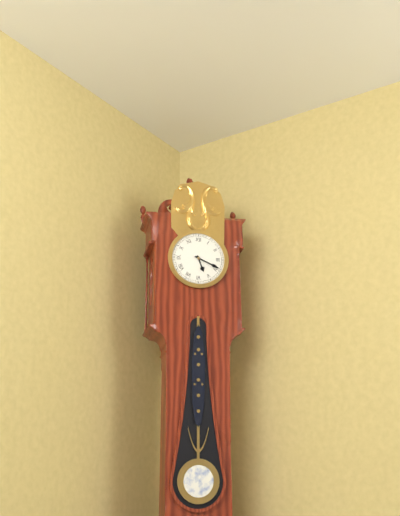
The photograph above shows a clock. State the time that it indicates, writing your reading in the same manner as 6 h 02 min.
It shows 5 h 19 min
